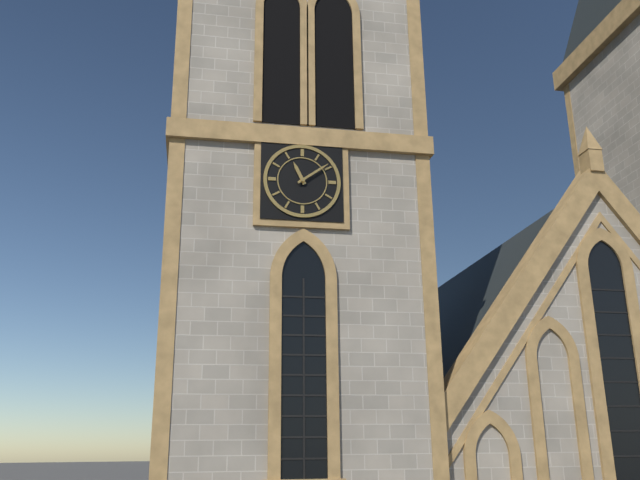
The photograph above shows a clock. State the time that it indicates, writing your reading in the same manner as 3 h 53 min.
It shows 11 h 09 min
